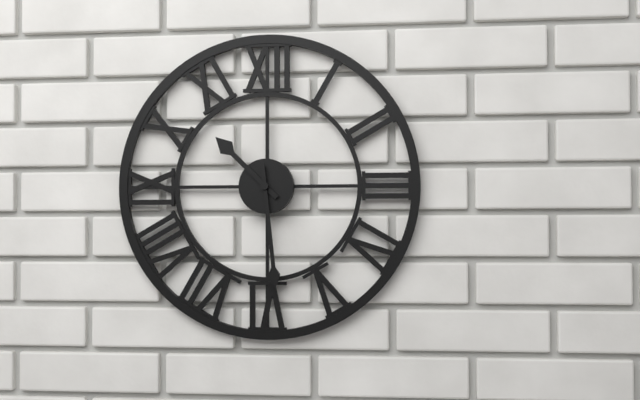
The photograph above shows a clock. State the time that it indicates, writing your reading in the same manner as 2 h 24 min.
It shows 10 h 29 min
